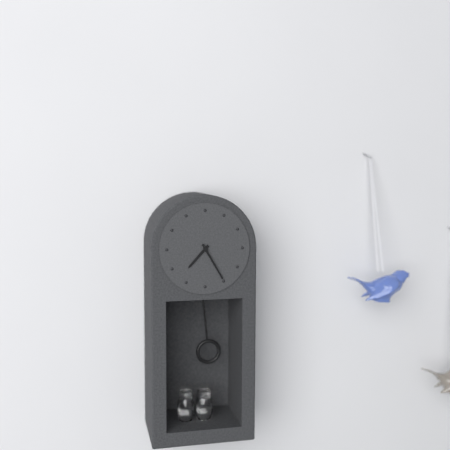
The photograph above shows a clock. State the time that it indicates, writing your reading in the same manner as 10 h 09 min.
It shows 7 h 25 min
